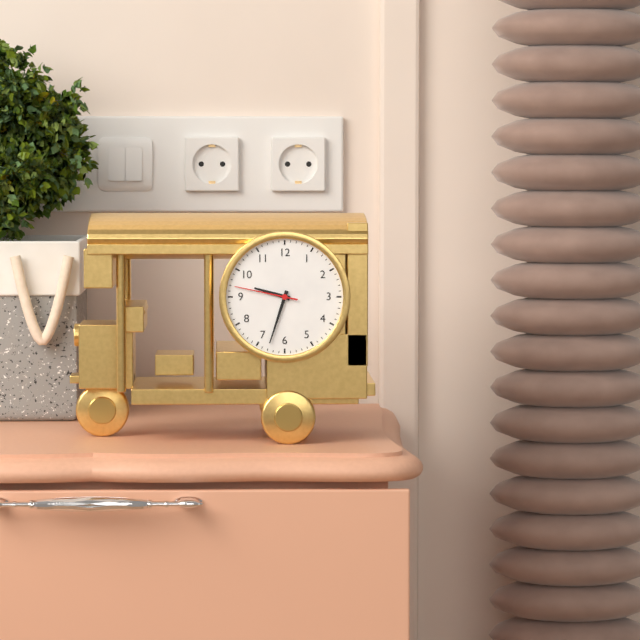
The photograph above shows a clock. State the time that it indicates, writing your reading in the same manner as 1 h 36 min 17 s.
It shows 9 h 33 min 47 s
